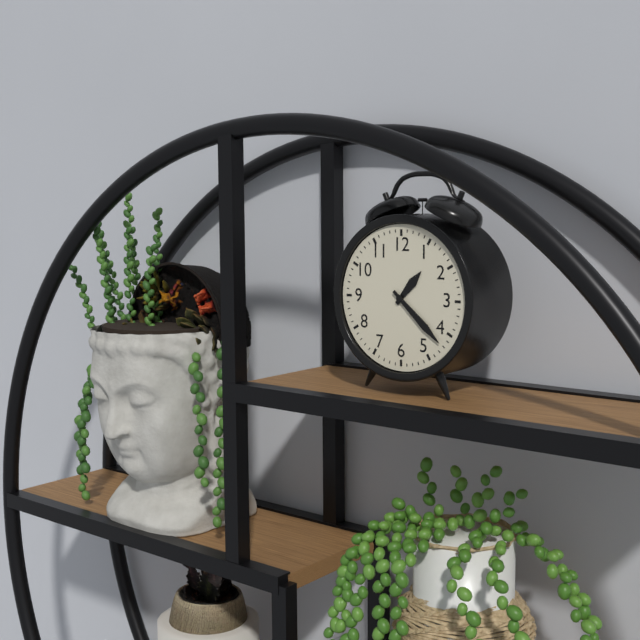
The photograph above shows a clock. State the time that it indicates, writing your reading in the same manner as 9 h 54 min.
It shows 1 h 22 min
